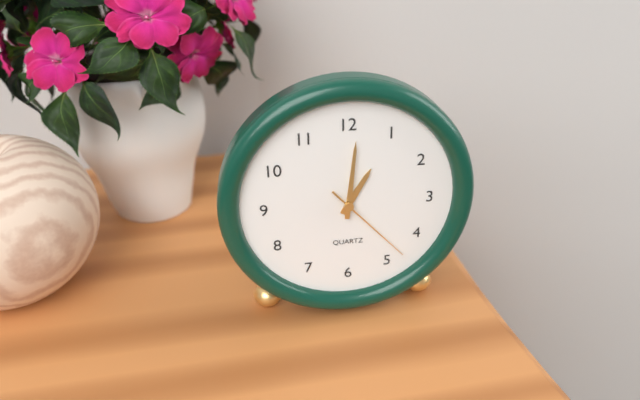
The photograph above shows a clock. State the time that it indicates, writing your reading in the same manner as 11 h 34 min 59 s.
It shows 1 h 01 min 23 s
